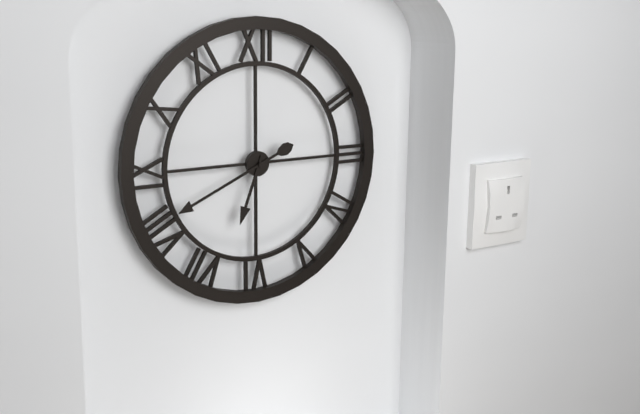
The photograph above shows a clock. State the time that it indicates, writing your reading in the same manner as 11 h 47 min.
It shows 6 h 41 min
